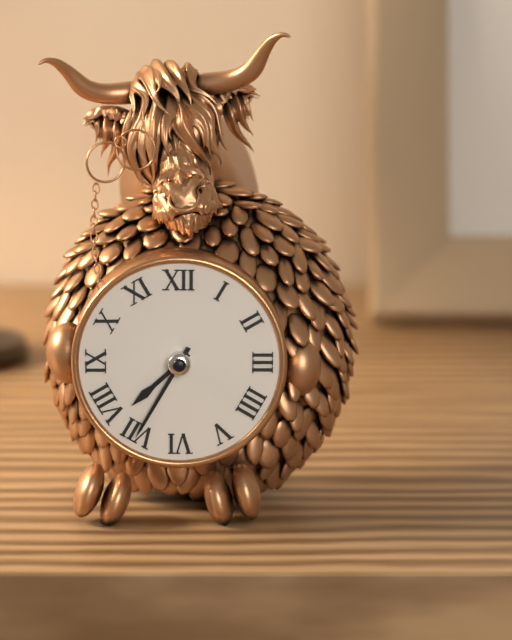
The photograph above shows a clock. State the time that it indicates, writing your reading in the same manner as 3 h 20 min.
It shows 7 h 35 min
